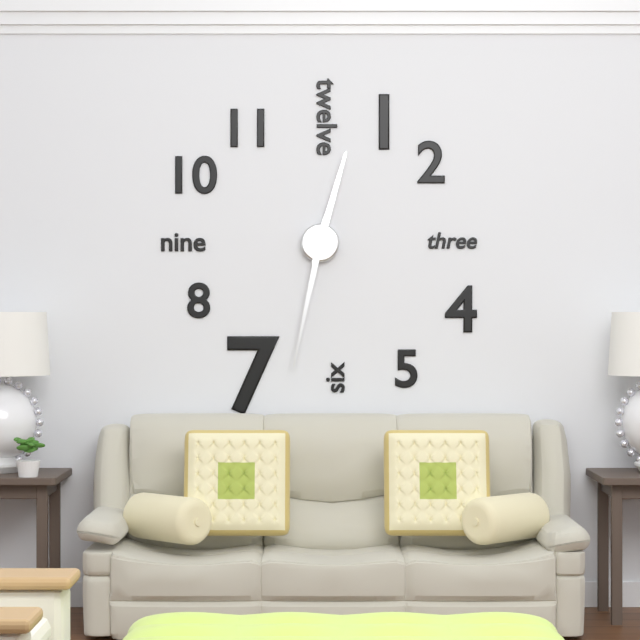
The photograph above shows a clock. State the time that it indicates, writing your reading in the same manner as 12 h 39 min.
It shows 12 h 32 min
